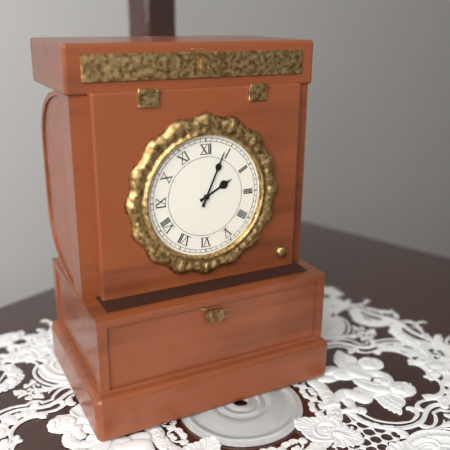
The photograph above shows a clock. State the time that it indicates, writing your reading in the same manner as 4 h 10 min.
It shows 2 h 04 min
